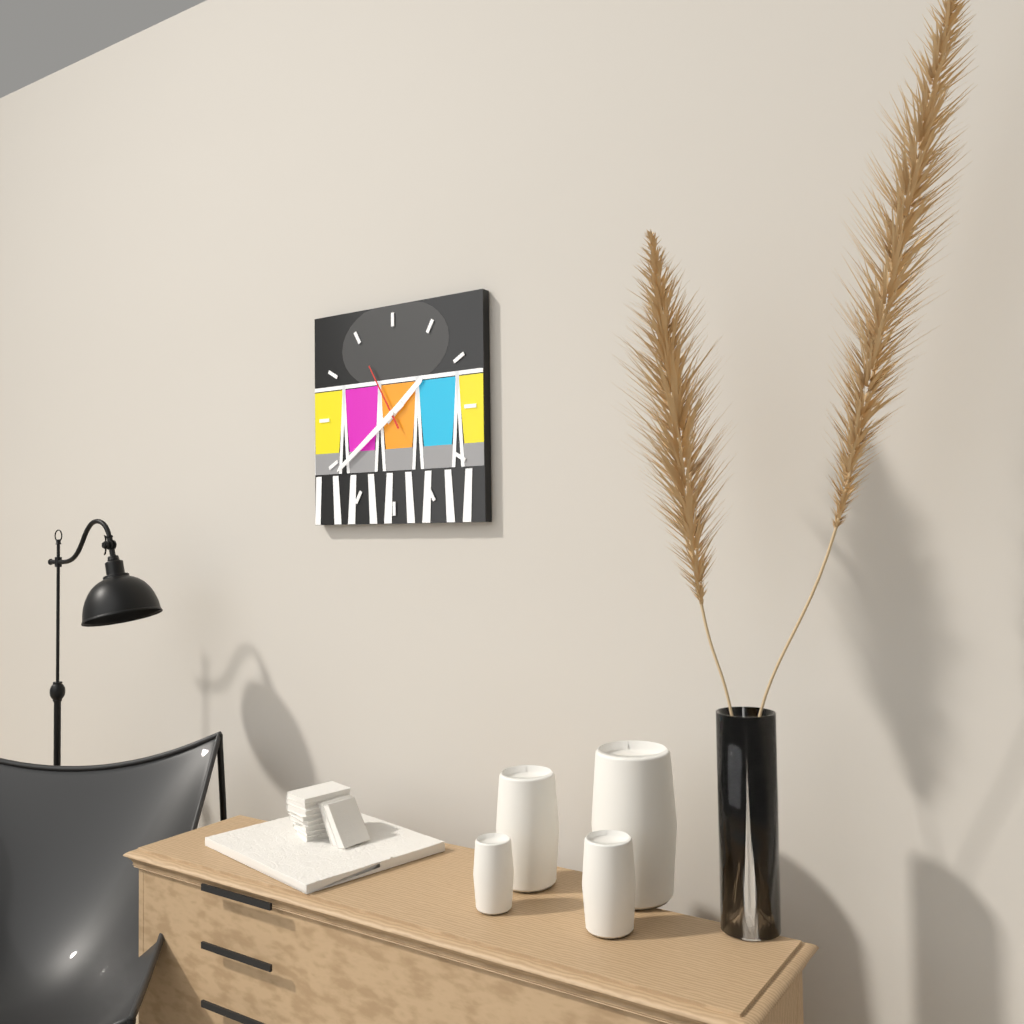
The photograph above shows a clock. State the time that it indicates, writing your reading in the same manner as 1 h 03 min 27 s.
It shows 1 h 39 min 55 s
